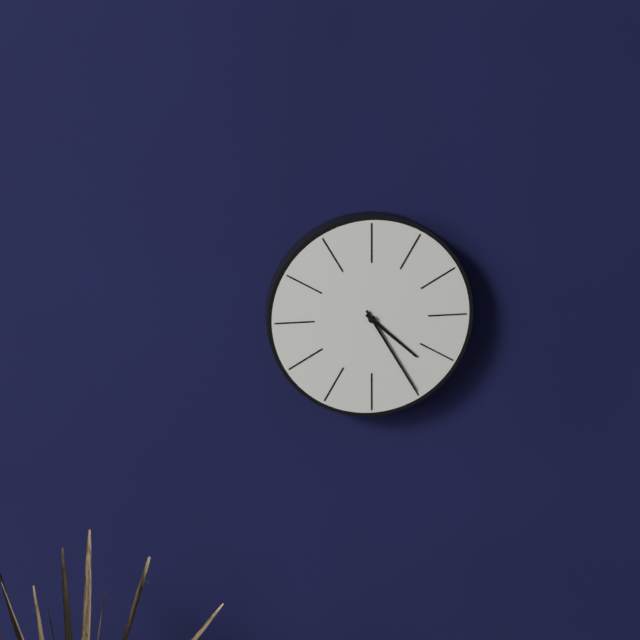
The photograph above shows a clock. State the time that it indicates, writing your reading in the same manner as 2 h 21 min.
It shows 4 h 25 min
